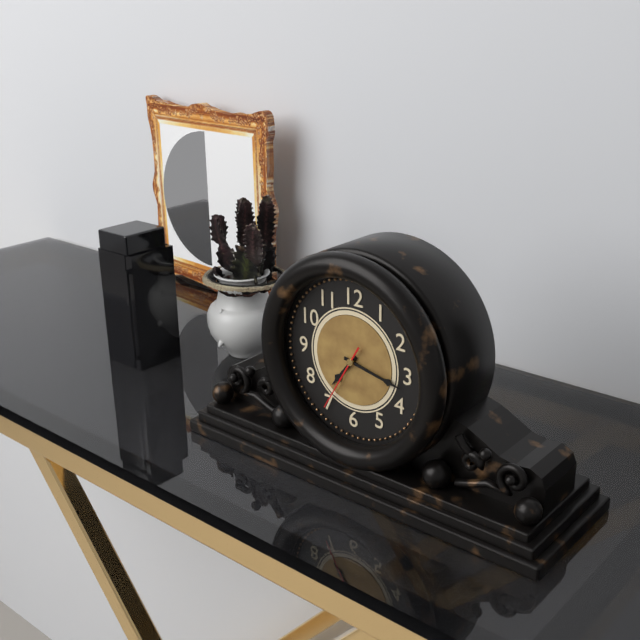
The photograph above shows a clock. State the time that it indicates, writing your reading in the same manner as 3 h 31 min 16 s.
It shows 7 h 17 min 35 s
